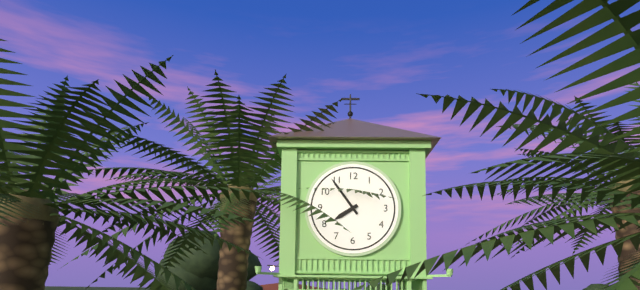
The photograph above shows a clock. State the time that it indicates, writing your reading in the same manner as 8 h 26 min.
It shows 7 h 54 min
